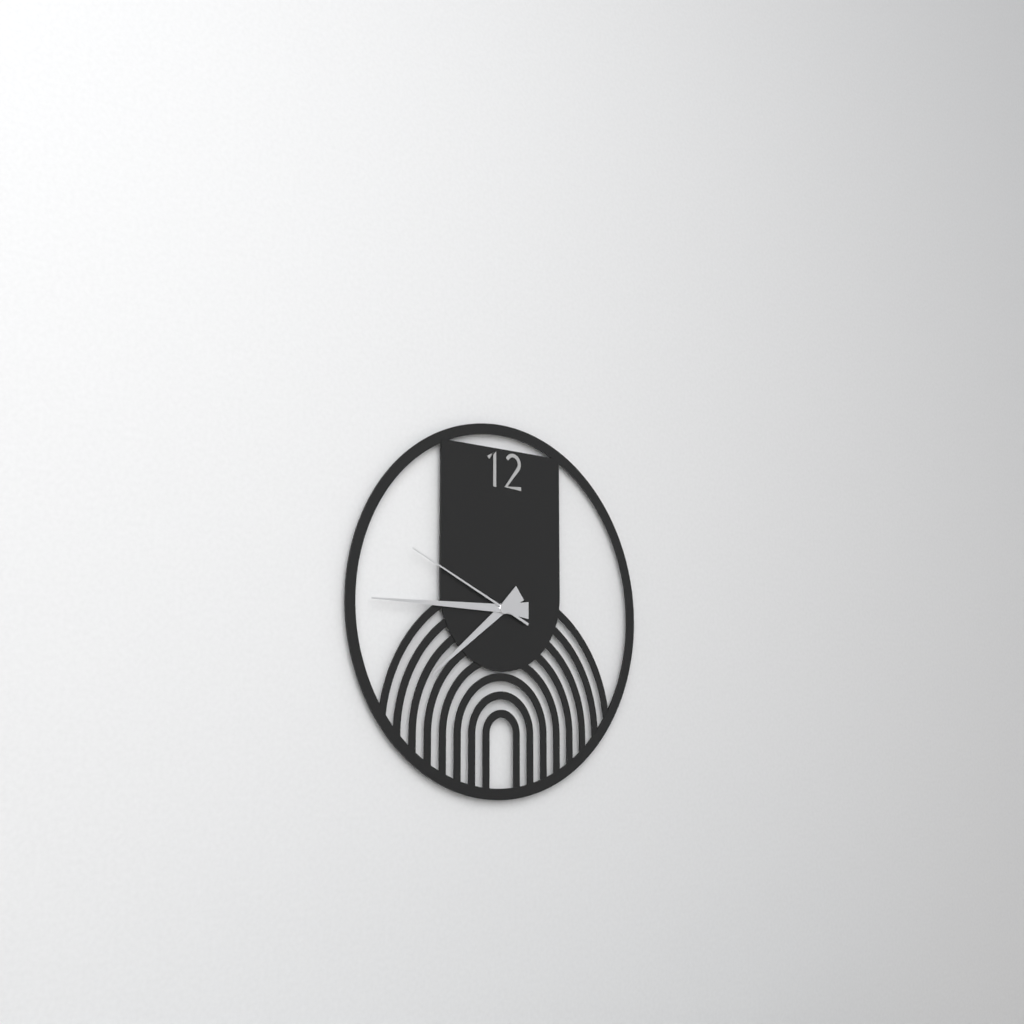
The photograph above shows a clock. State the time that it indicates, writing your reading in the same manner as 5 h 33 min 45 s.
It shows 7 h 45 min 49 s
